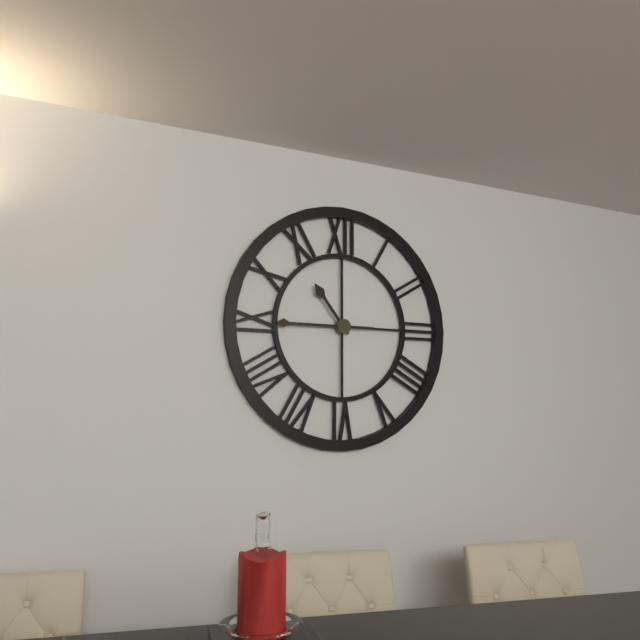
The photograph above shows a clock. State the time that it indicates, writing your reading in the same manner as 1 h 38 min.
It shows 10 h 45 min
